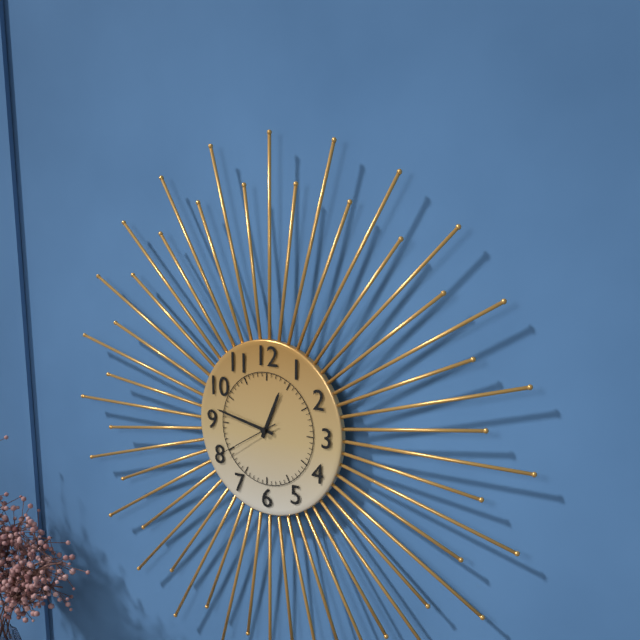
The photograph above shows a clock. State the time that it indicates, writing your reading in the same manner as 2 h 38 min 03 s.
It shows 12 h 47 min 40 s
